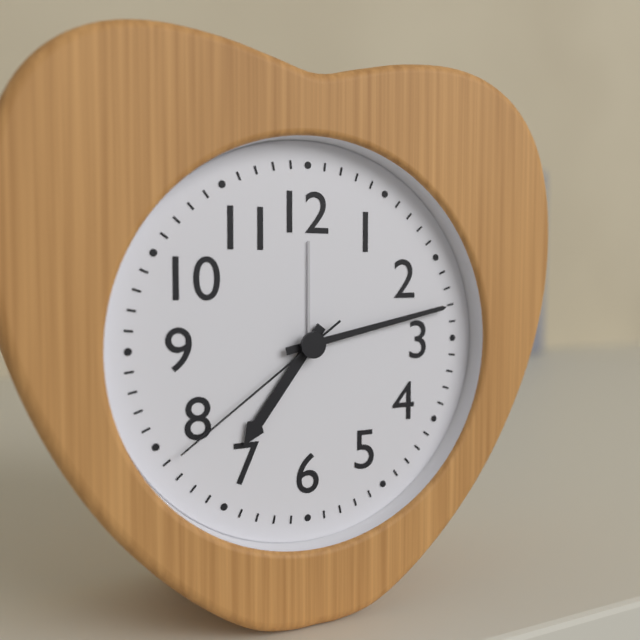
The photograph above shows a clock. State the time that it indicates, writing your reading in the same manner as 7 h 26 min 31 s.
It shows 7 h 13 min 39 s
